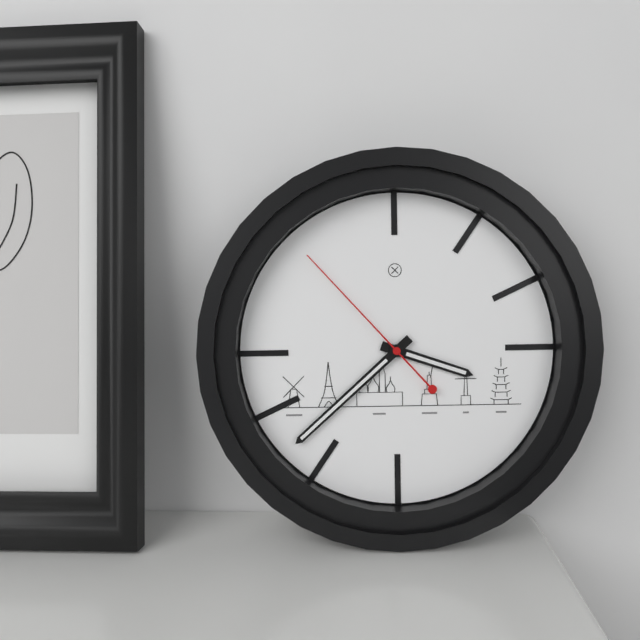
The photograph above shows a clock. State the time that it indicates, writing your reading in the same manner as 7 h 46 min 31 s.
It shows 3 h 38 min 53 s
